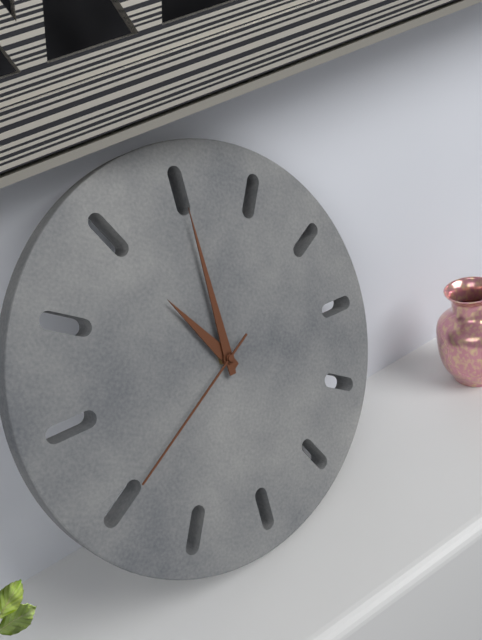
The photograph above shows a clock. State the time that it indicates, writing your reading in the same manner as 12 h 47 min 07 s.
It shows 9 h 55 min 35 s
